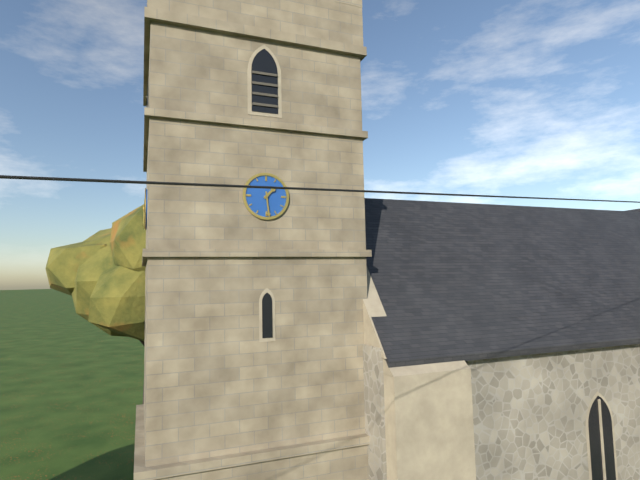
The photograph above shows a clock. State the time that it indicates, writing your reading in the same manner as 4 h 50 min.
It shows 1 h 29 min
